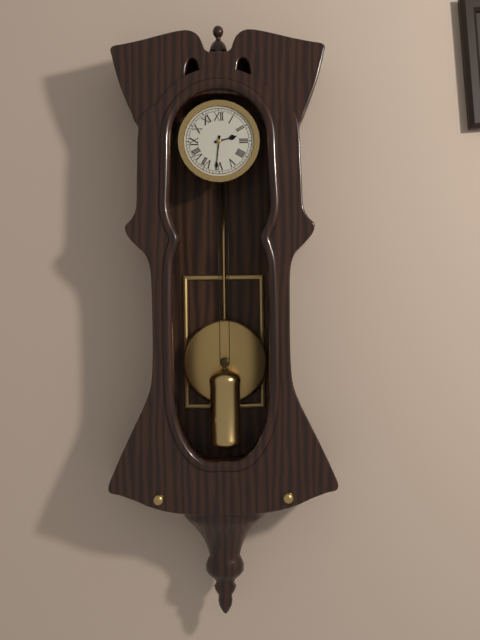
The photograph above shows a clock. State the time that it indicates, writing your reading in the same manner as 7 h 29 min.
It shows 2 h 31 min
